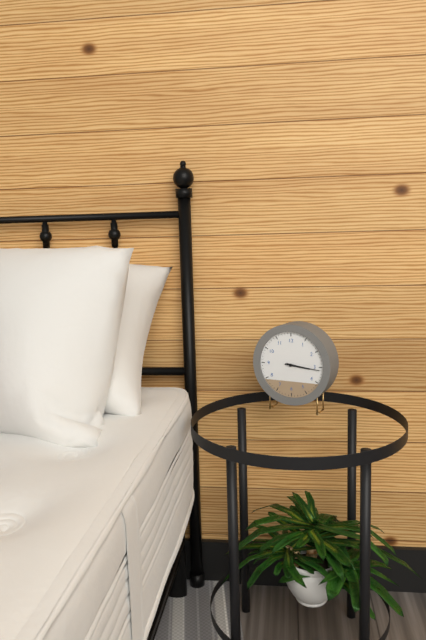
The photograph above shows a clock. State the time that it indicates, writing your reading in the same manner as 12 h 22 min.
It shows 3 h 16 min
